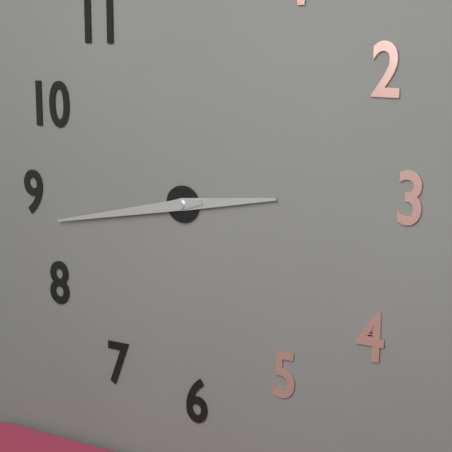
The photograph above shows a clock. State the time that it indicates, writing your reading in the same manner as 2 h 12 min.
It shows 2 h 43 min
